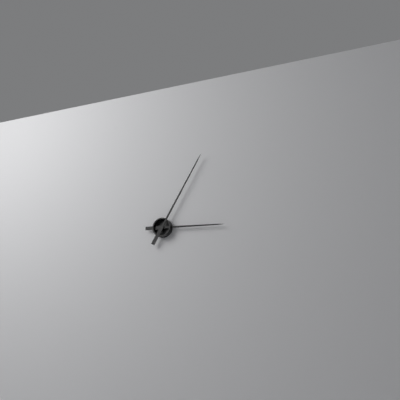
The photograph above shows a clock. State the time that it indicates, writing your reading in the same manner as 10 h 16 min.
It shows 3 h 05 min
